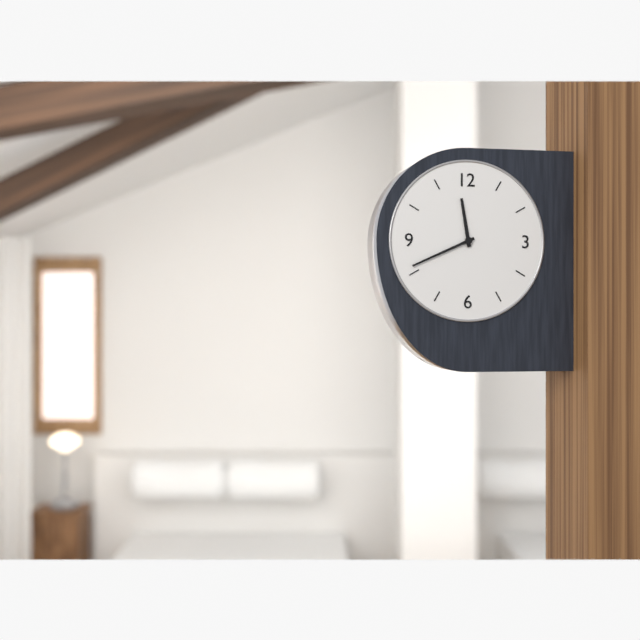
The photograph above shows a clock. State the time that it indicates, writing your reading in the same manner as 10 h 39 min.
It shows 11 h 41 min
